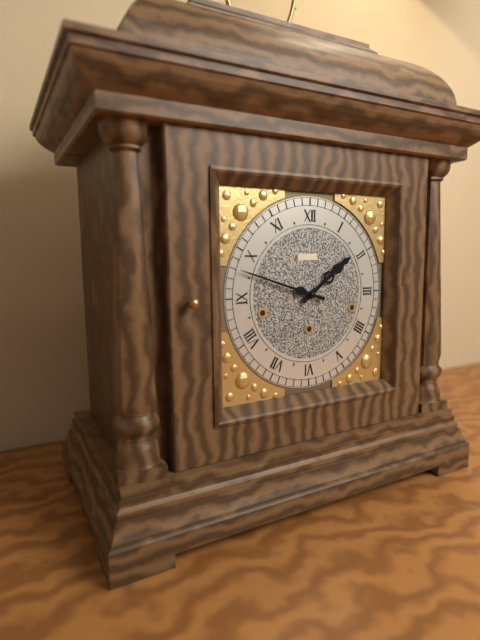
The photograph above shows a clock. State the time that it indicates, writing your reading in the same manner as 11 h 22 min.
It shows 1 h 48 min
